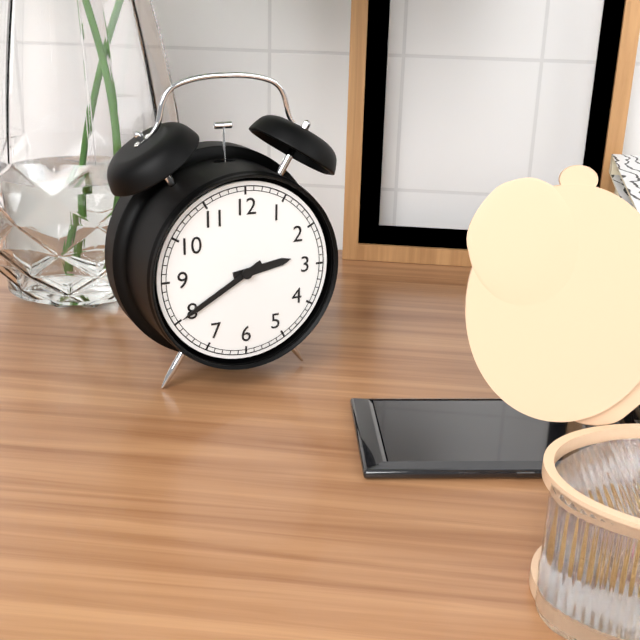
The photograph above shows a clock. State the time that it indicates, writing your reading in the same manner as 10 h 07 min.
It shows 2 h 40 min
